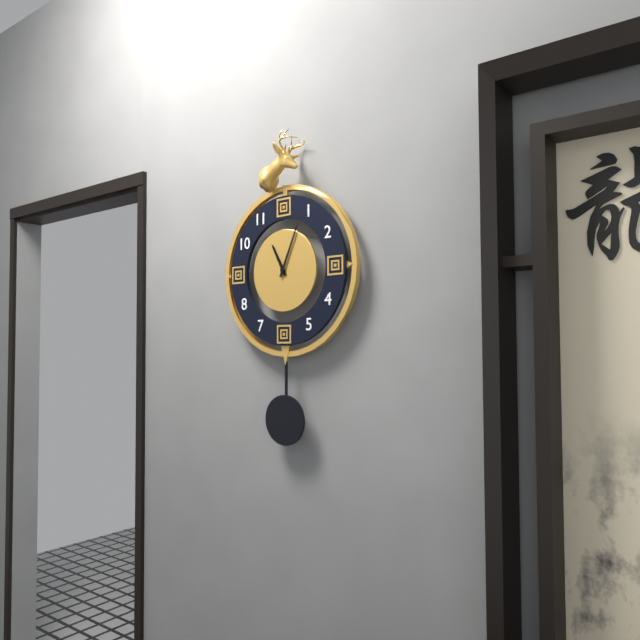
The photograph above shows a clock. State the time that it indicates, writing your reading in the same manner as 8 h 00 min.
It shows 11 h 04 min
